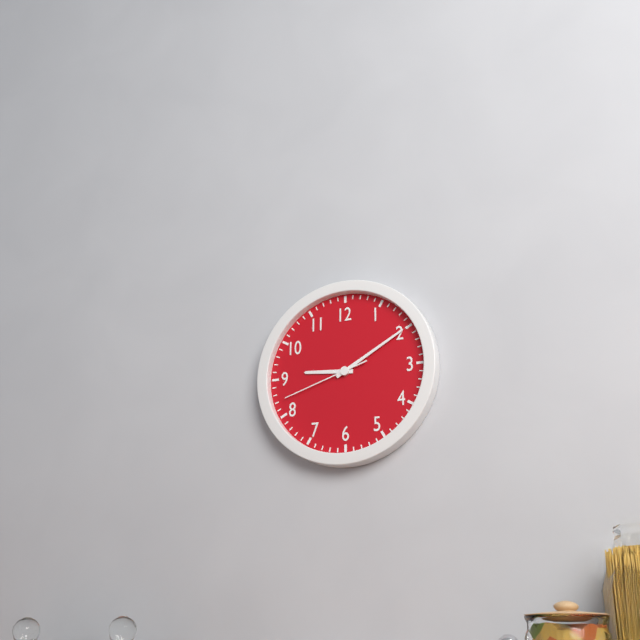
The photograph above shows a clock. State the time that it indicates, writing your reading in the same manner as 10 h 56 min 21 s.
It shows 9 h 10 min 42 s
